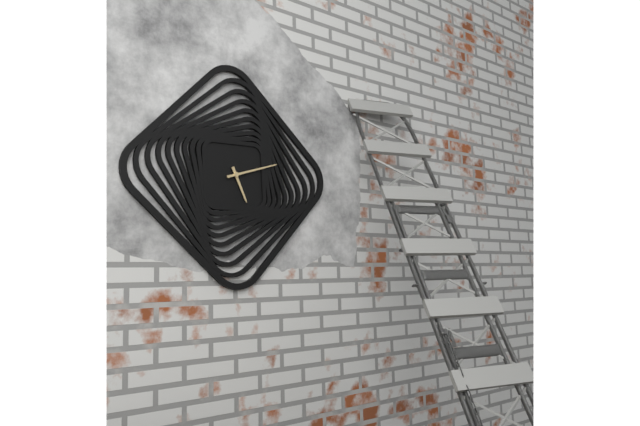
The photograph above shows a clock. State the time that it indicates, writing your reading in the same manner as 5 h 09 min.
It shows 5 h 12 min
